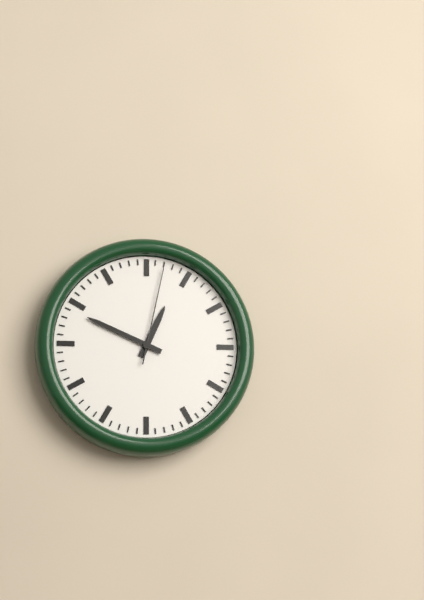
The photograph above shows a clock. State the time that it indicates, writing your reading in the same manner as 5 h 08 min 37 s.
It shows 12 h 49 min 02 s
